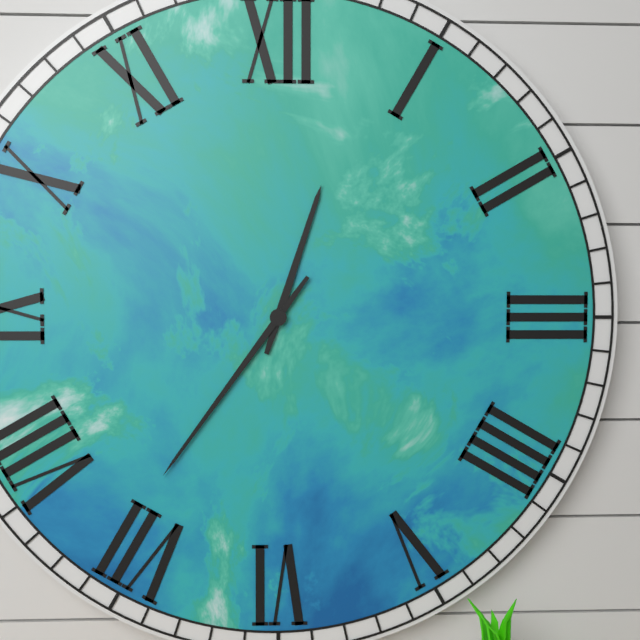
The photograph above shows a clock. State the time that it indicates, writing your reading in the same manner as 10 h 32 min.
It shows 12 h 36 min
